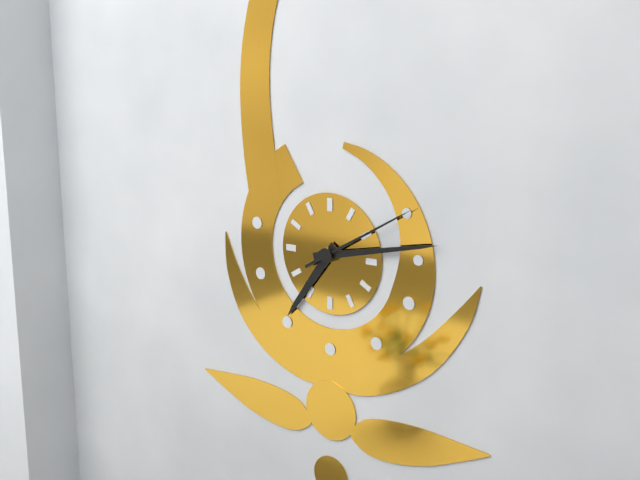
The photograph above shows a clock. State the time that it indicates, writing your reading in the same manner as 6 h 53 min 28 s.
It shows 7 h 13 min 10 s
